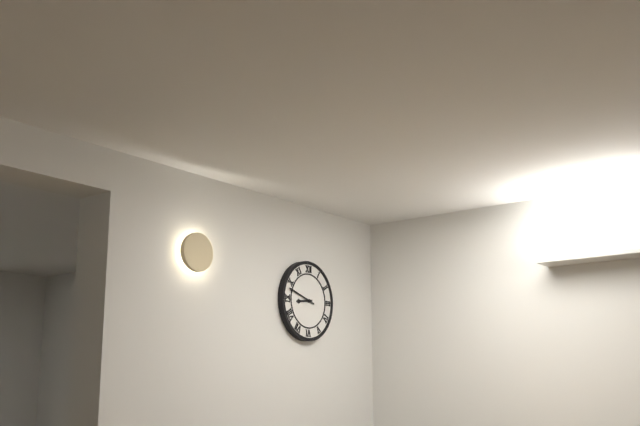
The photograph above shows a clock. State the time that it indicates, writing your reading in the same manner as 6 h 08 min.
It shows 8 h 48 min
